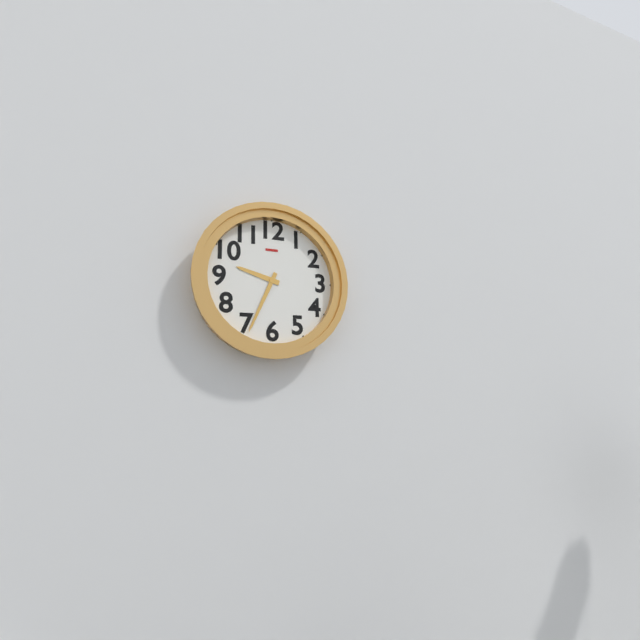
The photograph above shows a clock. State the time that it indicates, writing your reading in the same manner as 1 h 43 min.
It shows 9 h 34 min
